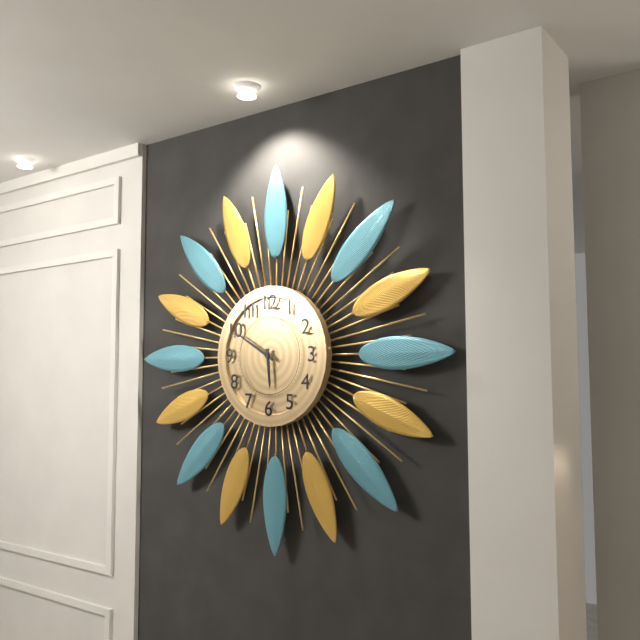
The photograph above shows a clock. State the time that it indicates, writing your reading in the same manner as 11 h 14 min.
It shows 5 h 50 min
